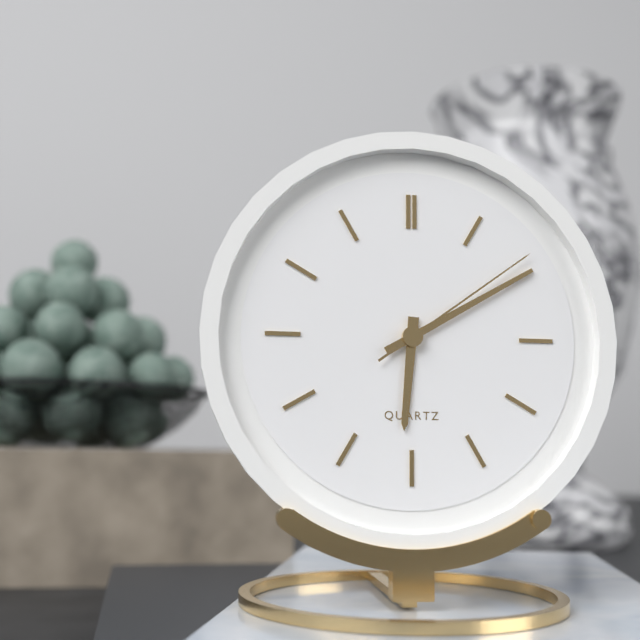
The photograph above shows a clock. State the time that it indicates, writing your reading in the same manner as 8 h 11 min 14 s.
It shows 6 h 10 min 09 s
